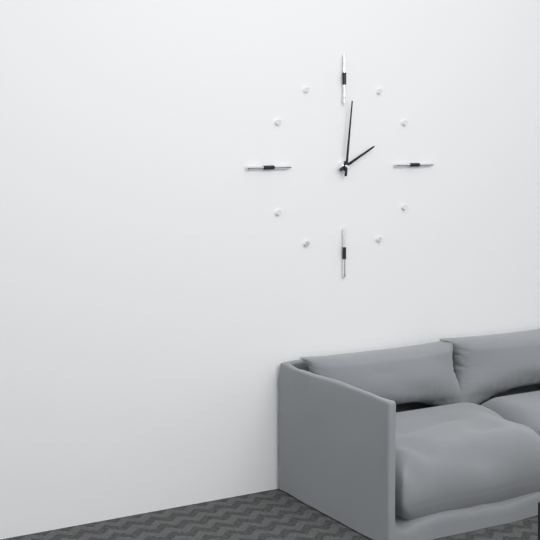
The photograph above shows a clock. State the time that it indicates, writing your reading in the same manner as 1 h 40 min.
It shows 2 h 01 min
